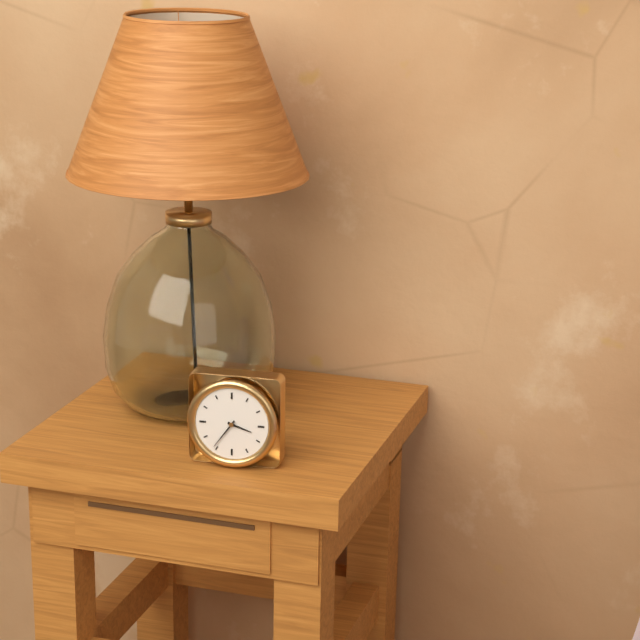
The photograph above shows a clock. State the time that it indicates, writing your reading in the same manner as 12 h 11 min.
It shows 3 h 36 min
